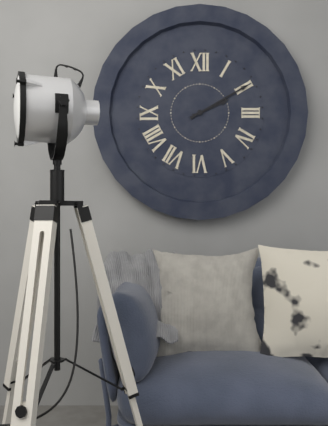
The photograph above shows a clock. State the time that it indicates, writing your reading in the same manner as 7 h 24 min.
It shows 2 h 10 min
